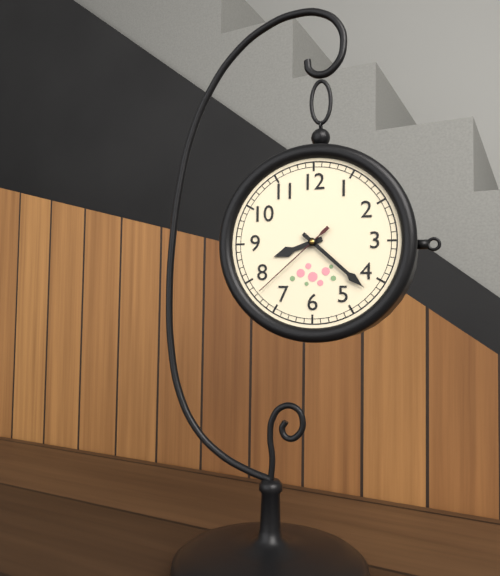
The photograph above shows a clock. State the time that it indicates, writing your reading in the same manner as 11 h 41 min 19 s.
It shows 8 h 22 min 38 s
